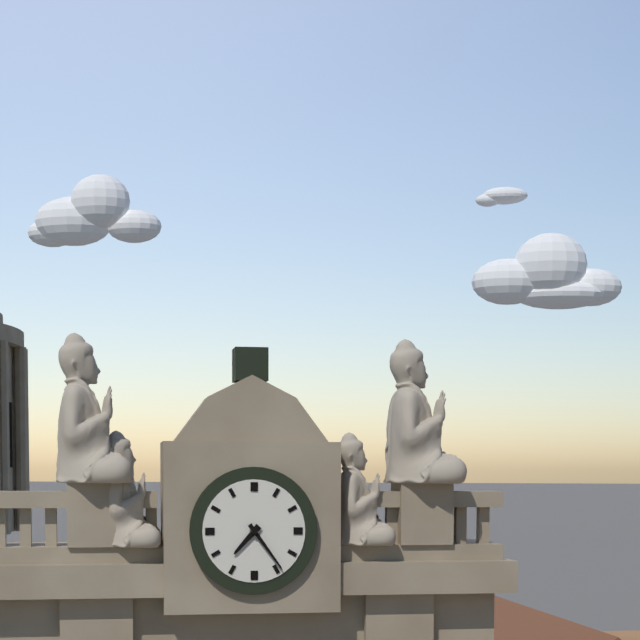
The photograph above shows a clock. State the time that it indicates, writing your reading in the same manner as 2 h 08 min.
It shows 7 h 24 min
